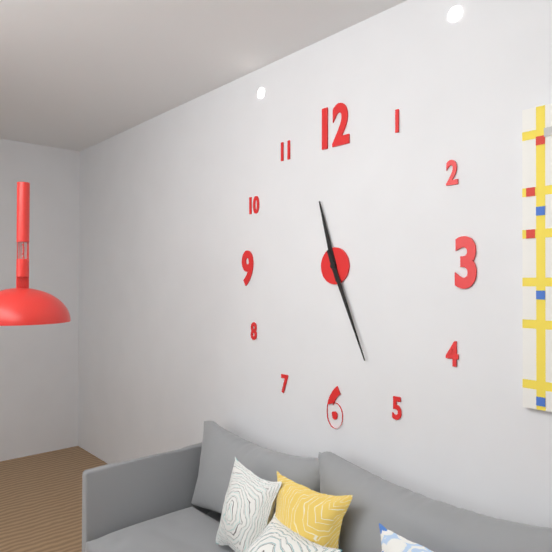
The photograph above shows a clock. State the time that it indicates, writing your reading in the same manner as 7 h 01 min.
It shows 11 h 26 min
